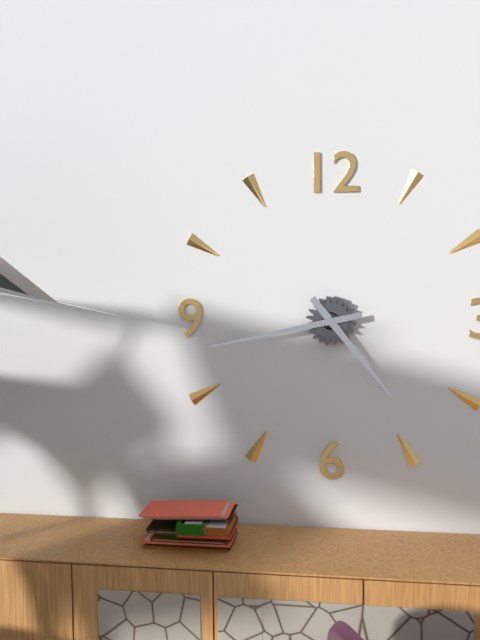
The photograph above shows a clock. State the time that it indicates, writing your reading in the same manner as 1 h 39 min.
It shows 4 h 43 min
